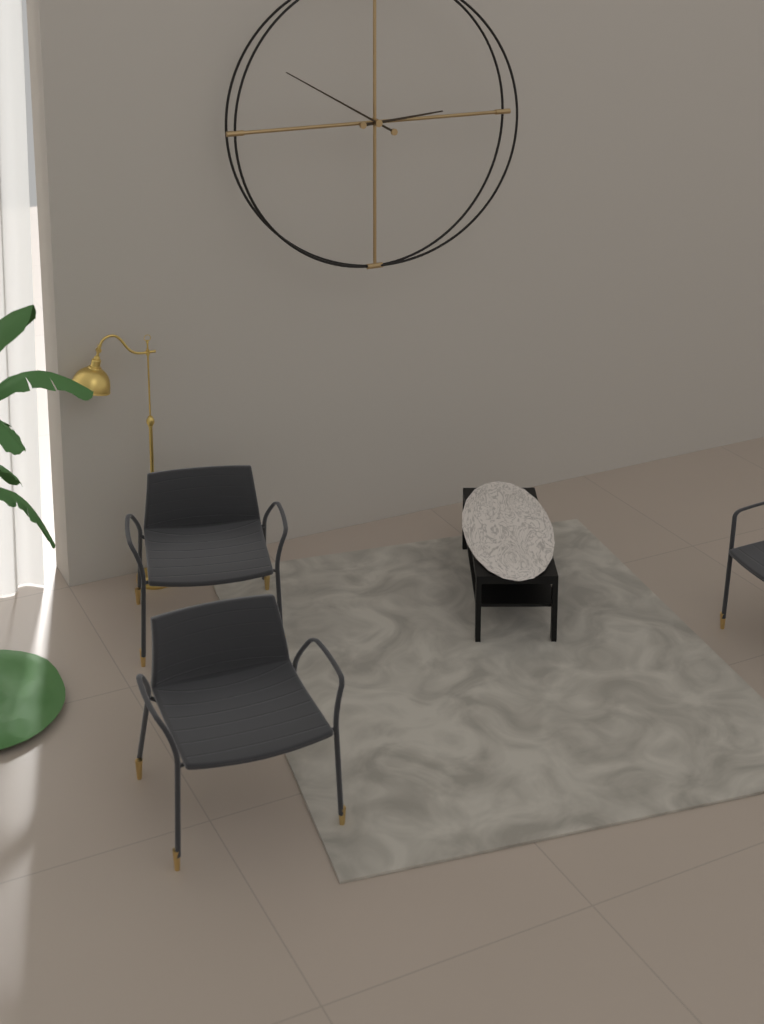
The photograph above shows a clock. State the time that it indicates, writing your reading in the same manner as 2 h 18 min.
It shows 2 h 50 min
